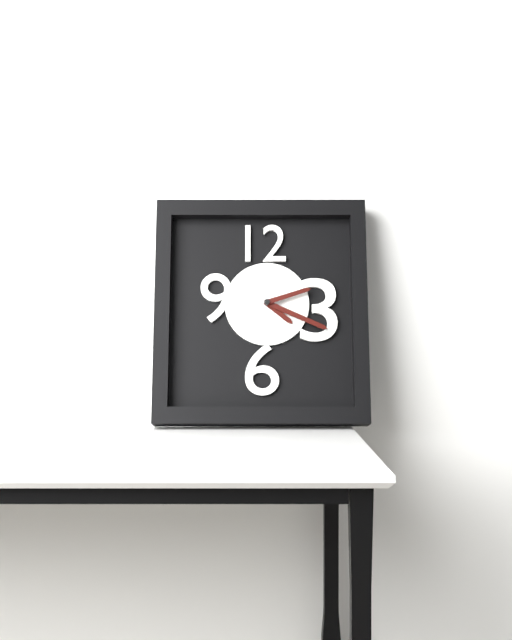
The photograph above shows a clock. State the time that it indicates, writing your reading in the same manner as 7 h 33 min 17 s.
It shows 4 h 19 min 12 s
